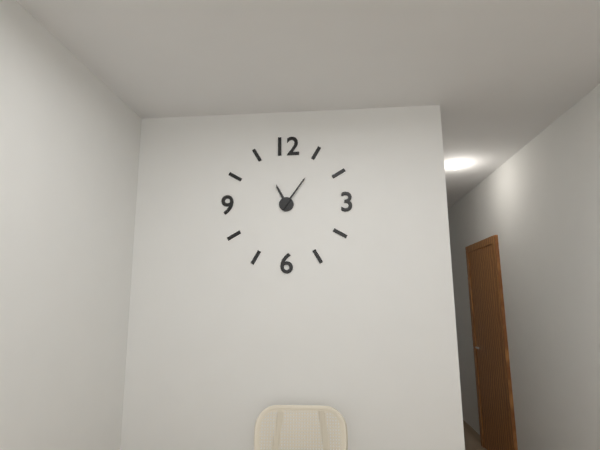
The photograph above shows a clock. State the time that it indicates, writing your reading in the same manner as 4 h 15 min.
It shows 11 h 06 min
